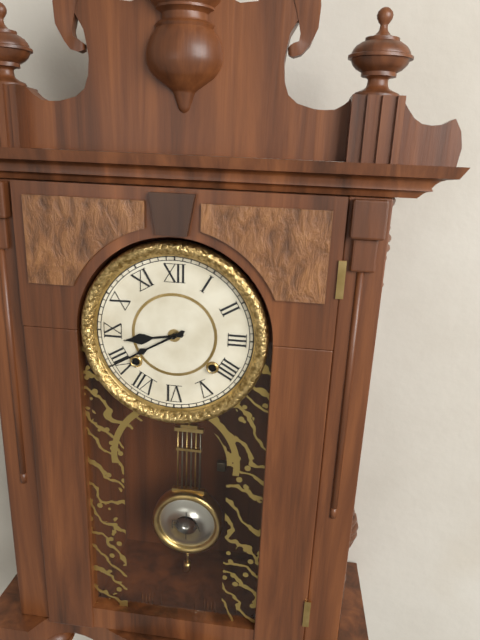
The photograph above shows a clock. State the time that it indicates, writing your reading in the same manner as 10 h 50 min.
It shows 8 h 40 min
